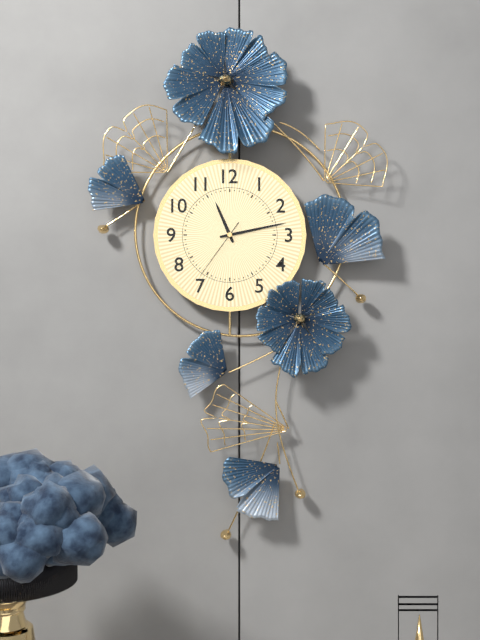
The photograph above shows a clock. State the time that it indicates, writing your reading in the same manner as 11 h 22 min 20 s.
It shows 11 h 13 min 36 s
